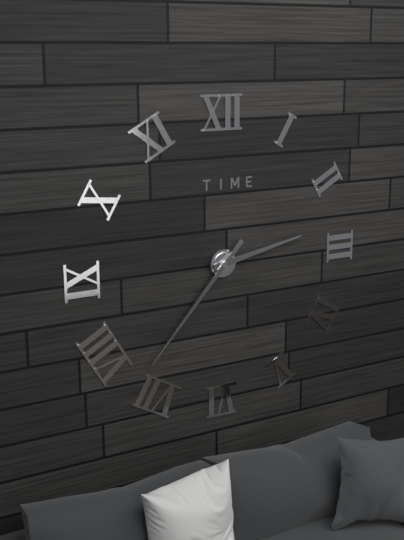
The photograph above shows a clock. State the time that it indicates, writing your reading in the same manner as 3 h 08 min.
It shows 2 h 37 min
